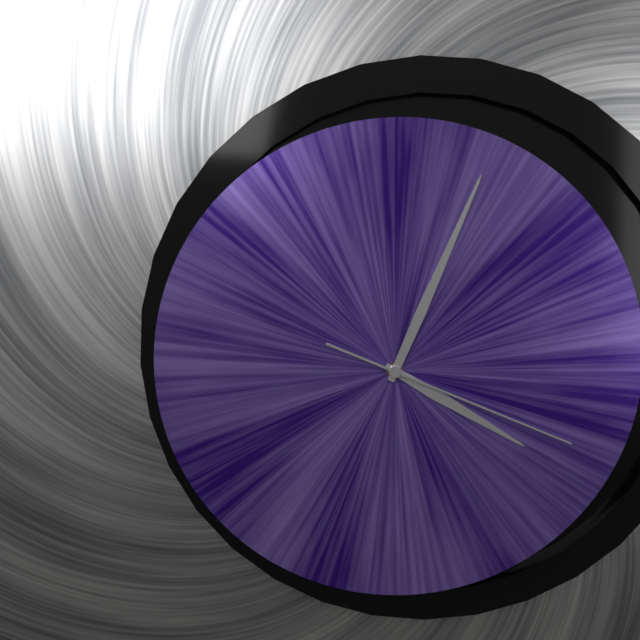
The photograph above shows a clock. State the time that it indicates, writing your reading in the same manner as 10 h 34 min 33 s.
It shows 4 h 04 min 19 s
